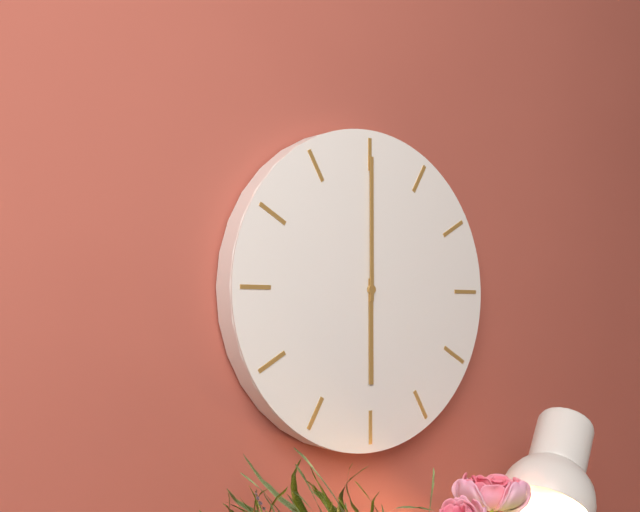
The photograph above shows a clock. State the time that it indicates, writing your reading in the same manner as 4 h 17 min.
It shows 6 h 00 min
